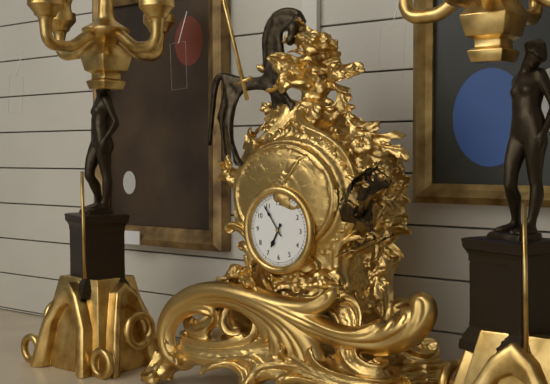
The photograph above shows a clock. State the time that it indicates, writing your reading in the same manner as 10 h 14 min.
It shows 6 h 54 min
